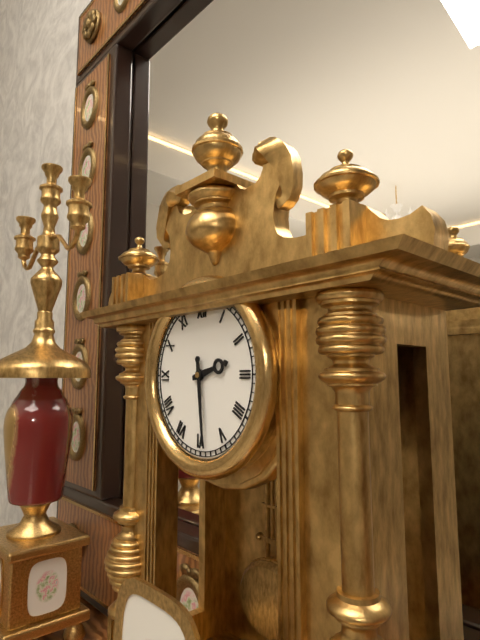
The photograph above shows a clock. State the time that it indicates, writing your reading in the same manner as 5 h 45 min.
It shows 2 h 29 min
